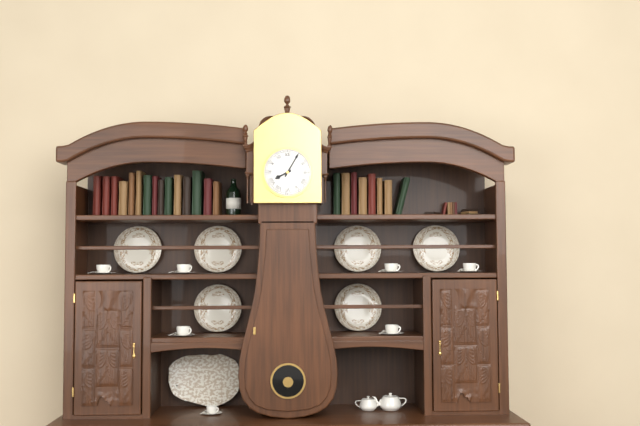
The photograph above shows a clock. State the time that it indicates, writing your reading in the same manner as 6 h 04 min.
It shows 8 h 05 min
